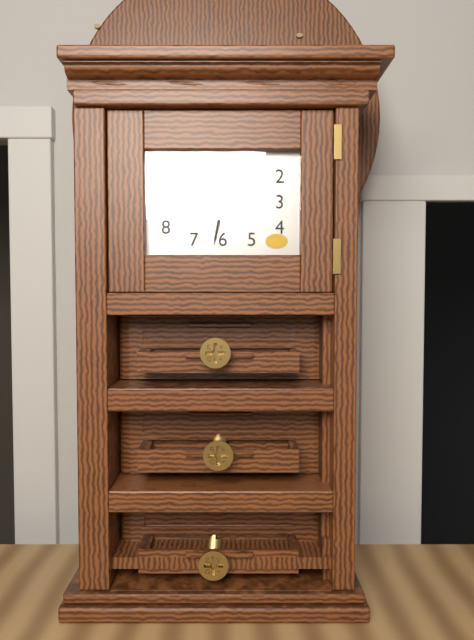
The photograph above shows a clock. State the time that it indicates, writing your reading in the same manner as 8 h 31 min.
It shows 11 h 32 min
